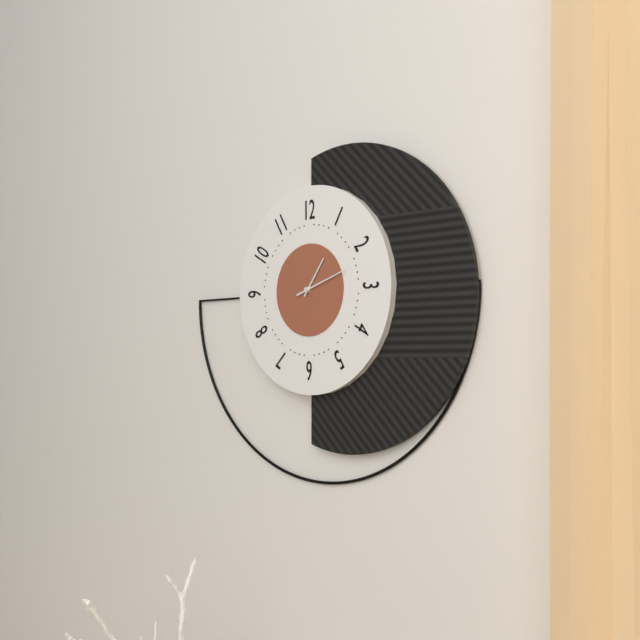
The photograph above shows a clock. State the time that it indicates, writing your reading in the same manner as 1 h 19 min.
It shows 1 h 12 min
